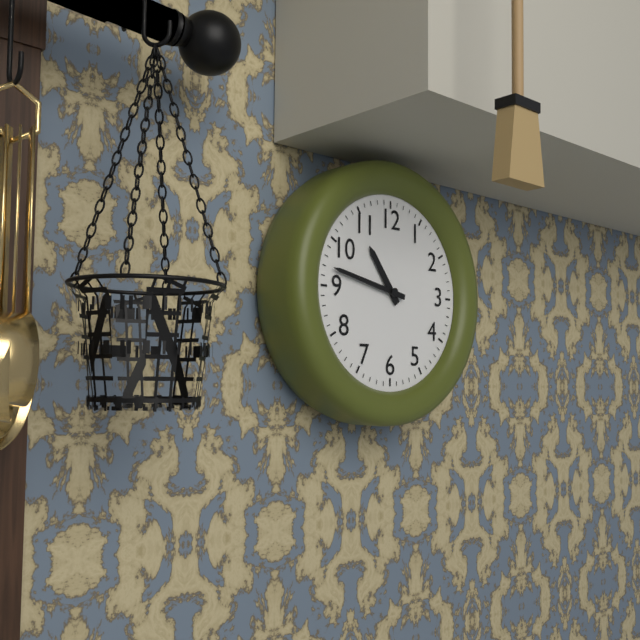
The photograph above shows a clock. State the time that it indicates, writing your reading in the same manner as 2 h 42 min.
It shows 10 h 47 min
